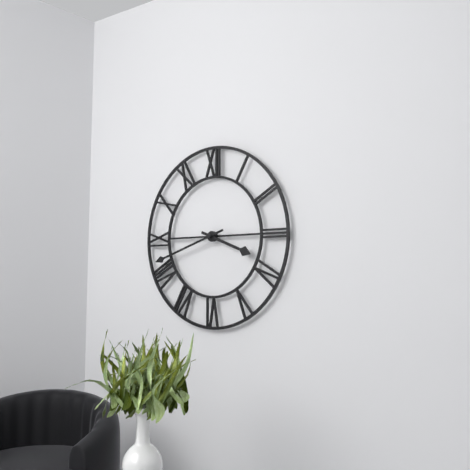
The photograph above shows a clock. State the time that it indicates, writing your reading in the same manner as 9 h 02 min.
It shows 3 h 42 min
